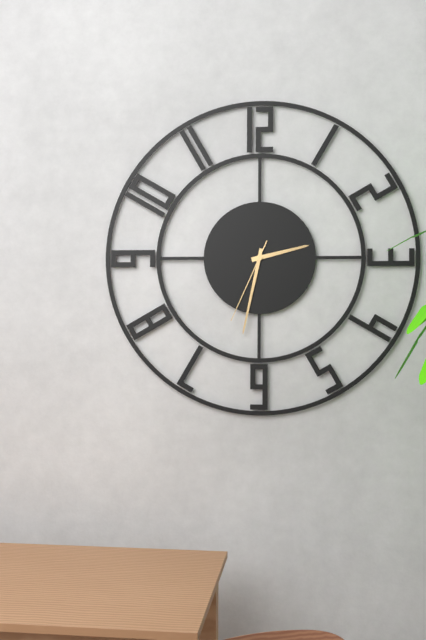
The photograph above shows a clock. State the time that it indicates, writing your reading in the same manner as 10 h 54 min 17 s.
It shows 2 h 32 min 34 s
